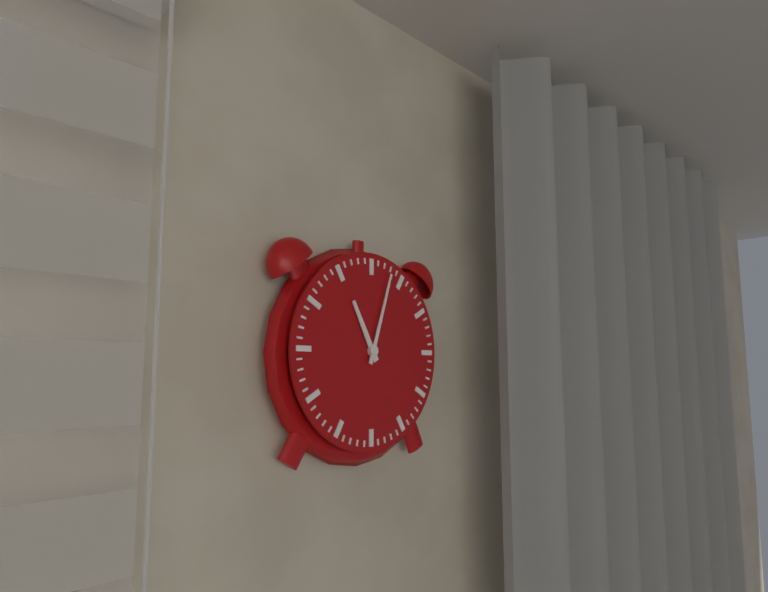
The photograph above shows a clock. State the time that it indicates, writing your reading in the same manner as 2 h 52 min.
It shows 11 h 03 min
